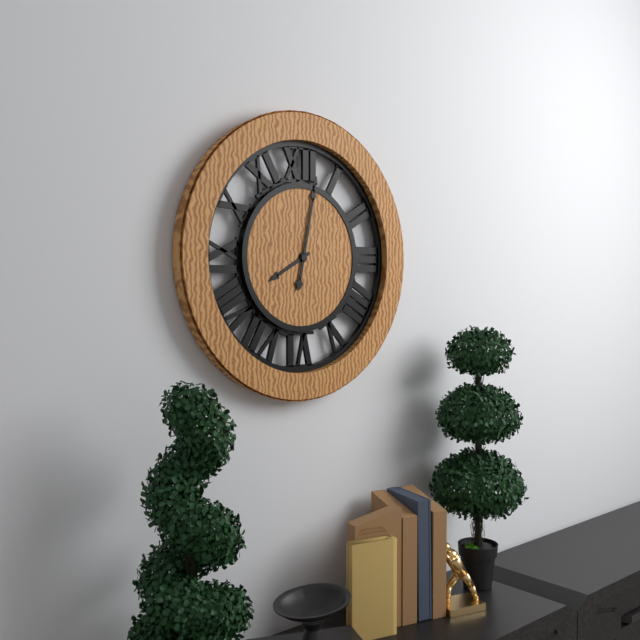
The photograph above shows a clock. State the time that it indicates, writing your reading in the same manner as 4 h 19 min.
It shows 8 h 02 min
